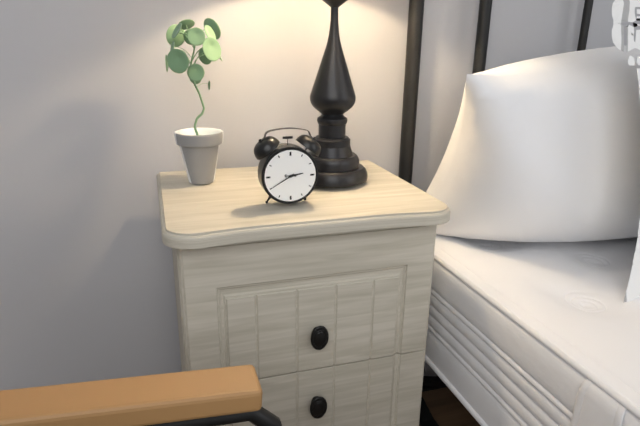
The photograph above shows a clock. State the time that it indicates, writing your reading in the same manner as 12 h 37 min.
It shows 2 h 40 min
